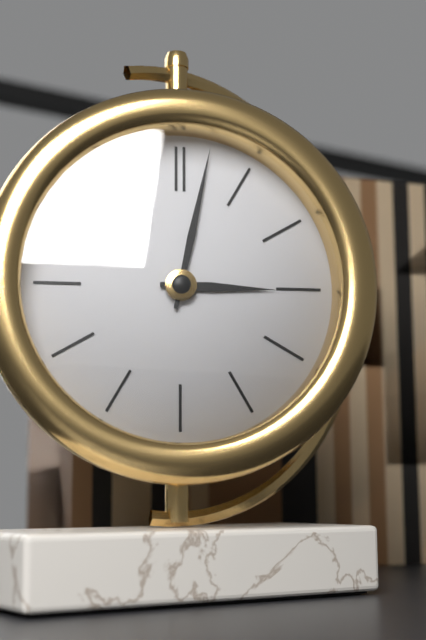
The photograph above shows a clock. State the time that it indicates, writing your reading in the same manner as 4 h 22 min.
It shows 3 h 02 min
